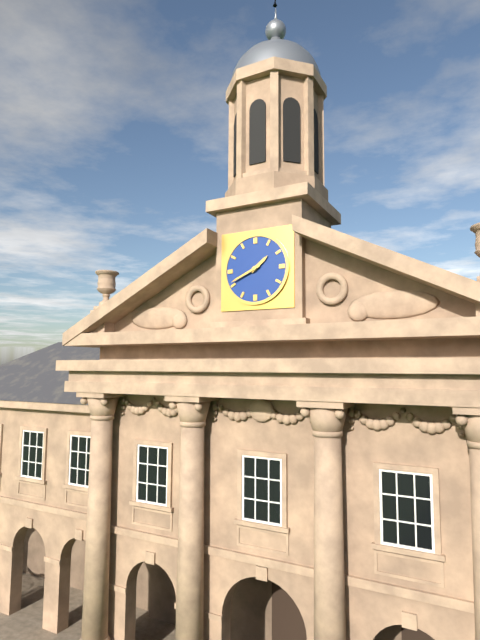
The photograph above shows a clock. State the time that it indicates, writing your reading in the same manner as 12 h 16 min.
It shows 1 h 41 min
